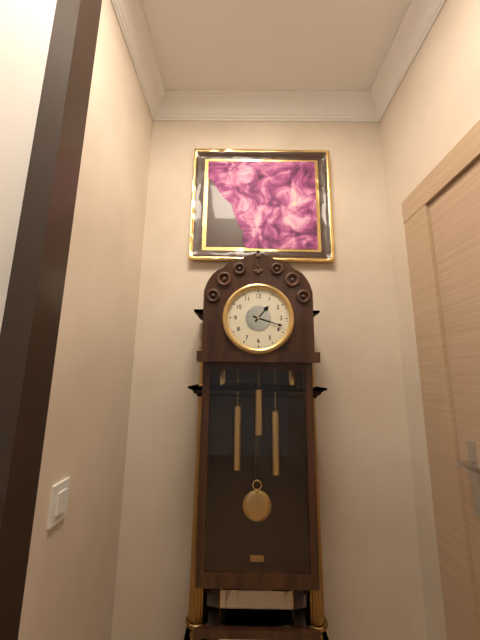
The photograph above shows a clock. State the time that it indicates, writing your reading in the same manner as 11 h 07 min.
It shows 1 h 18 min
